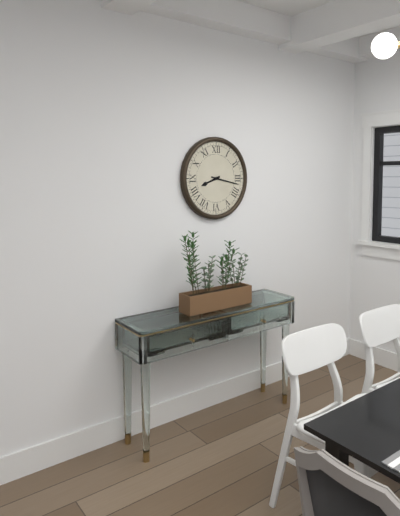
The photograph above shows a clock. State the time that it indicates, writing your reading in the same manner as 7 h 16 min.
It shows 8 h 17 min
